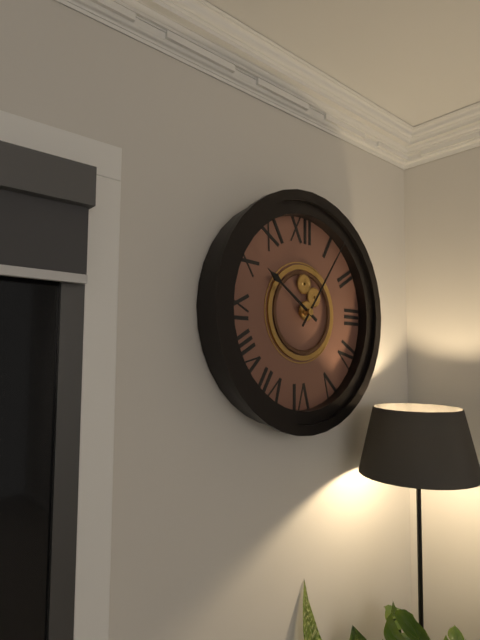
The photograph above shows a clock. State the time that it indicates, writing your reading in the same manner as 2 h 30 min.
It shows 10 h 06 min
